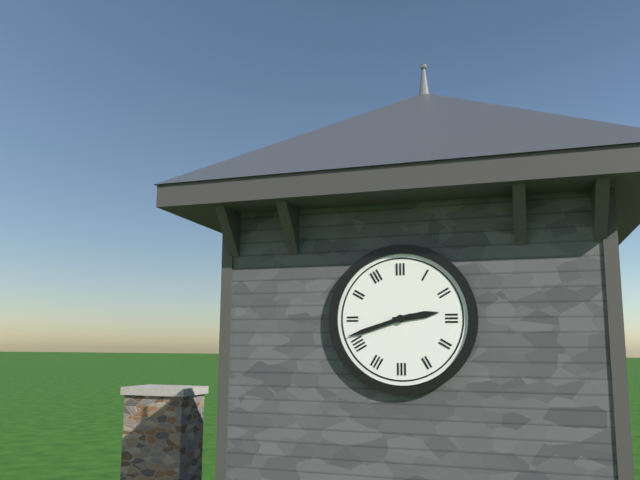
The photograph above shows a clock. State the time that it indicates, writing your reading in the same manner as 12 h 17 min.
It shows 2 h 42 min
